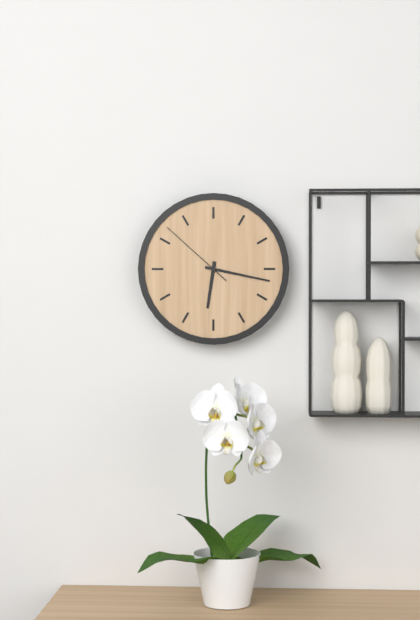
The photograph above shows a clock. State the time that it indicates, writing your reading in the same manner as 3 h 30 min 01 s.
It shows 6 h 17 min 52 s
